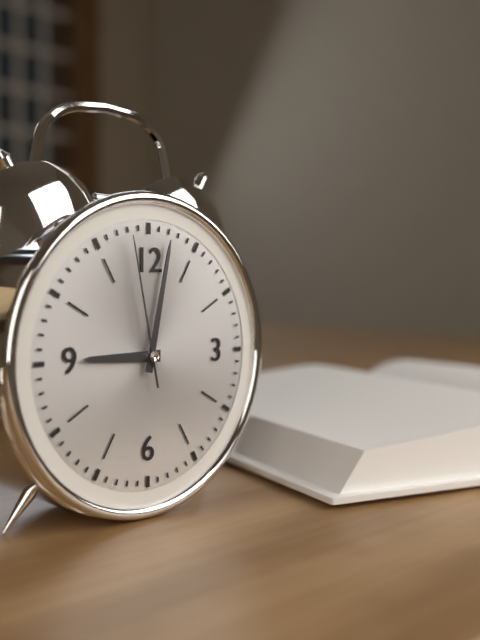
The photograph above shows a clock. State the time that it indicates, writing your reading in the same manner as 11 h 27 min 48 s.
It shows 9 h 02 min 58 s
